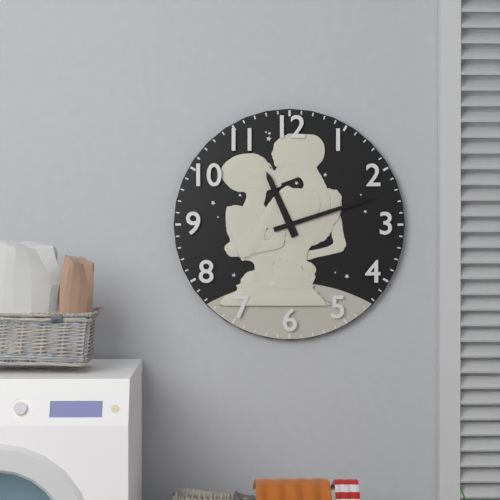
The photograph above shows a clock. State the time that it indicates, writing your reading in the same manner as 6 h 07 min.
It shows 11 h 12 min
